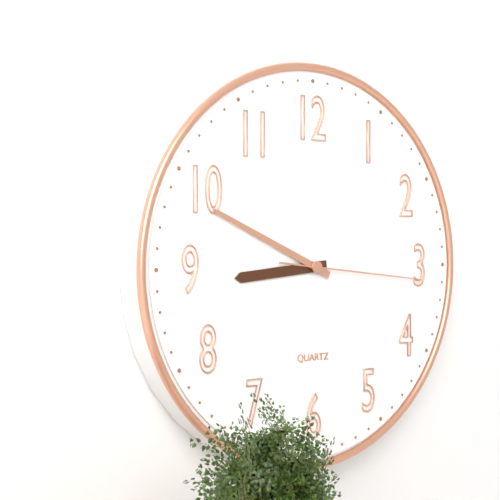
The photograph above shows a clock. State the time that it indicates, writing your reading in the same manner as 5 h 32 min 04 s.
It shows 8 h 49 min 16 s
